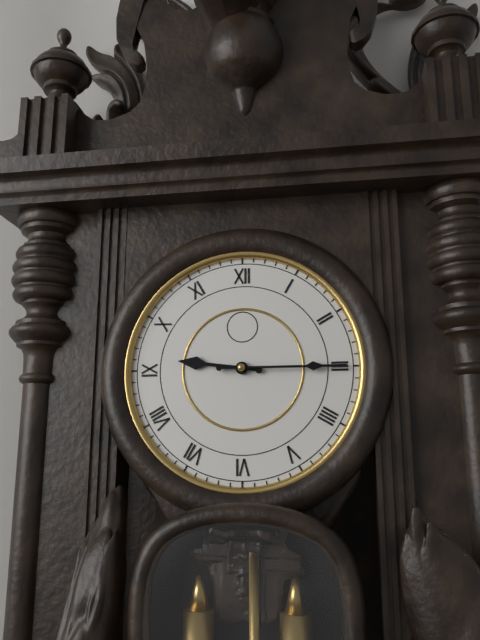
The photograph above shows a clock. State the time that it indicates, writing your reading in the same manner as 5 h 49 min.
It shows 9 h 15 min
